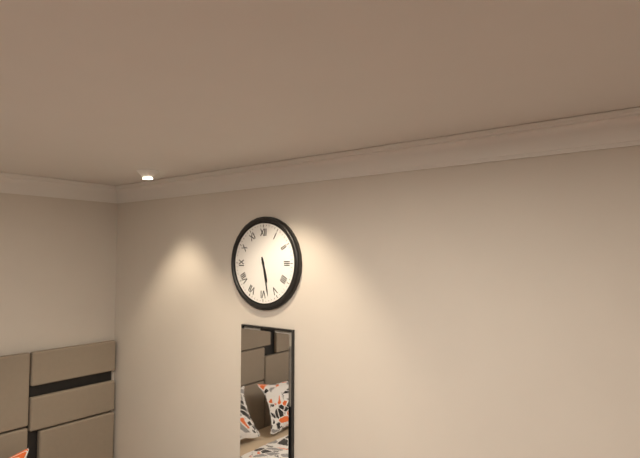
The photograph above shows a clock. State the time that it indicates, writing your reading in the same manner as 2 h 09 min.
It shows 5 h 28 min
